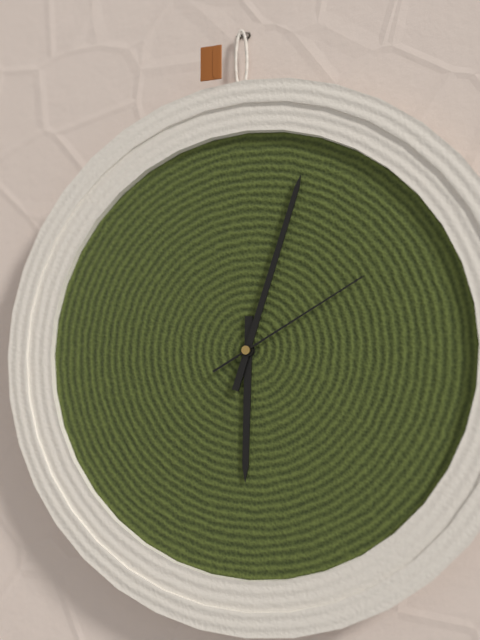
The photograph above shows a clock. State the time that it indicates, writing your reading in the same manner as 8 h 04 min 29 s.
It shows 6 h 03 min 10 s
